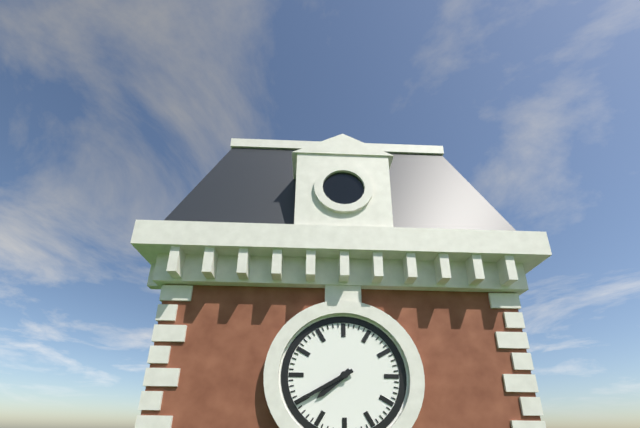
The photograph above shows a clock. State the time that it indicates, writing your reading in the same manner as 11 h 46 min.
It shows 7 h 40 min
